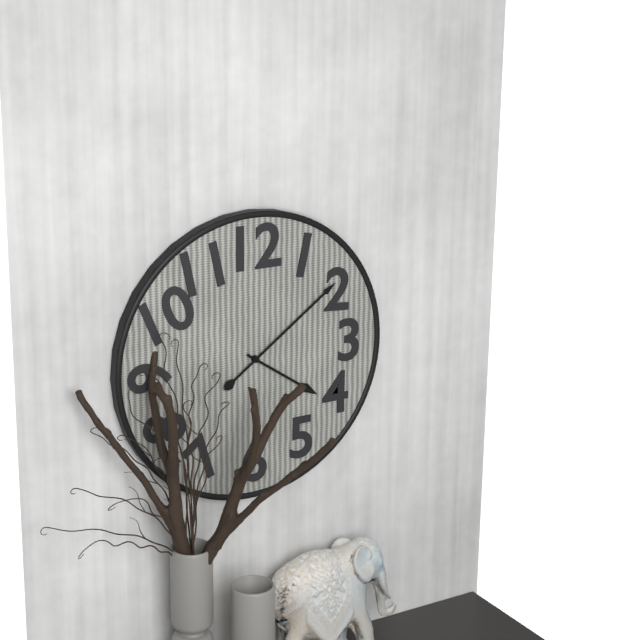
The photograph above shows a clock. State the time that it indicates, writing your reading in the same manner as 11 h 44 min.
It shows 4 h 09 min
